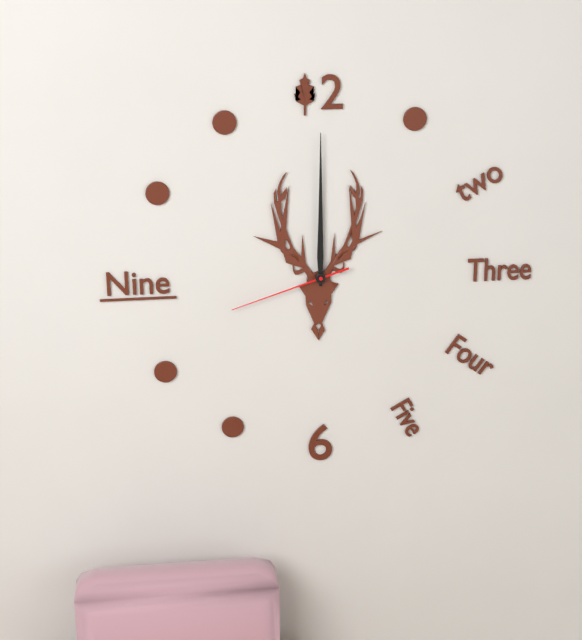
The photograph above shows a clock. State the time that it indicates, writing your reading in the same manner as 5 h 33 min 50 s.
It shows 12 h 00 min 42 s
